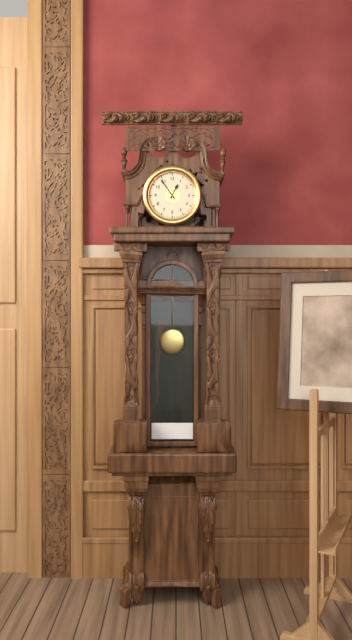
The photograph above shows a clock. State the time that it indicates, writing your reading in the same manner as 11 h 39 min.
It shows 12 h 54 min
